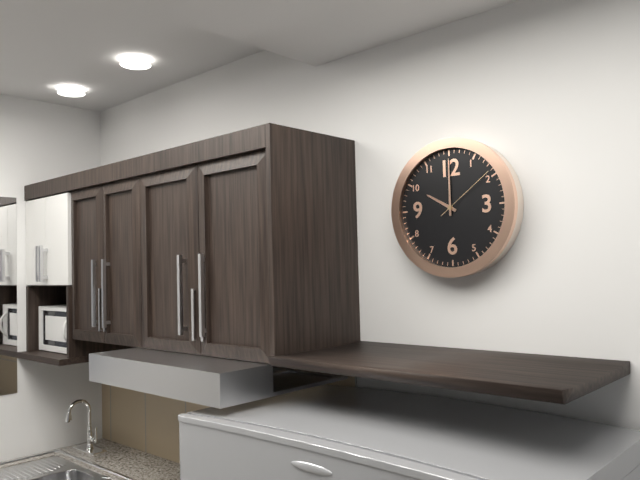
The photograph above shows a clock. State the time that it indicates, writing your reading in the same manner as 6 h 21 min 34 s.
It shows 10 h 00 min 09 s
